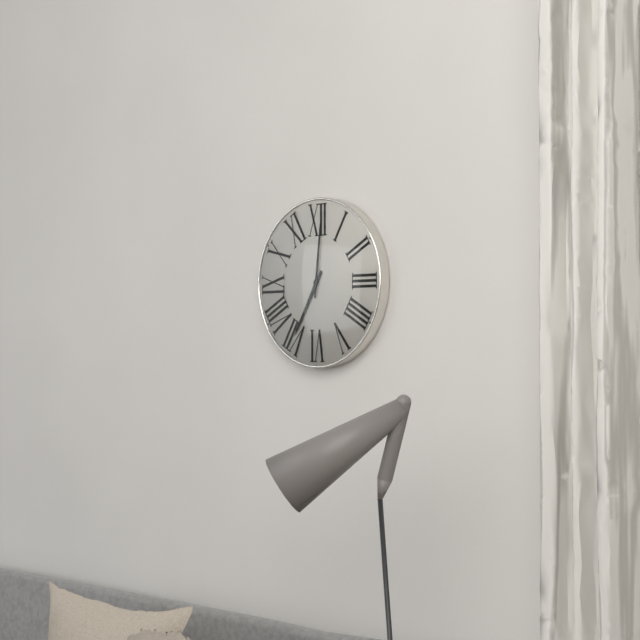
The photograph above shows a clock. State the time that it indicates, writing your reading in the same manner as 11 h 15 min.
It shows 7 h 01 min
